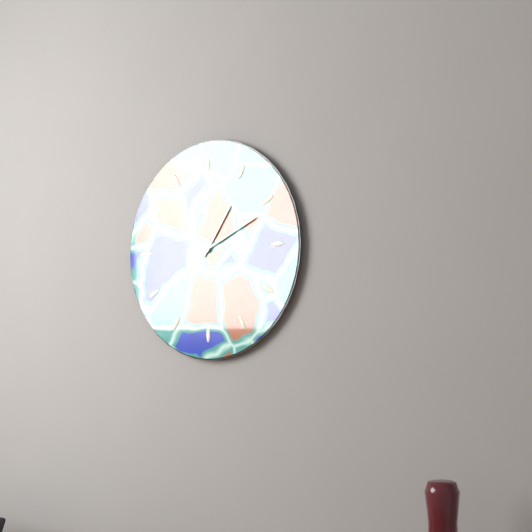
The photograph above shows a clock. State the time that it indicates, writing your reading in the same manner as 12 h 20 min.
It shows 1 h 11 min
